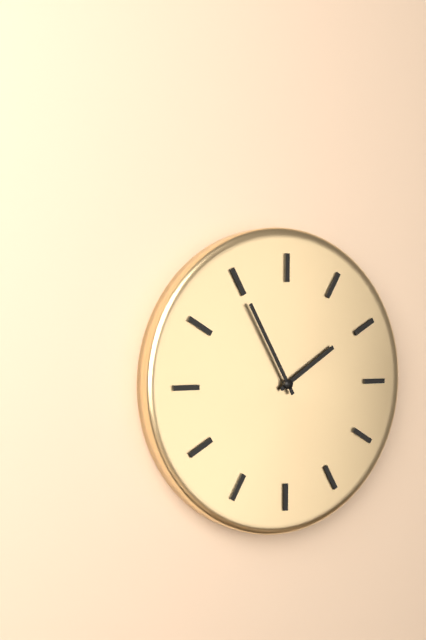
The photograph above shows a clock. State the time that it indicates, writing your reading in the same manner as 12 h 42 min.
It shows 1 h 55 min
